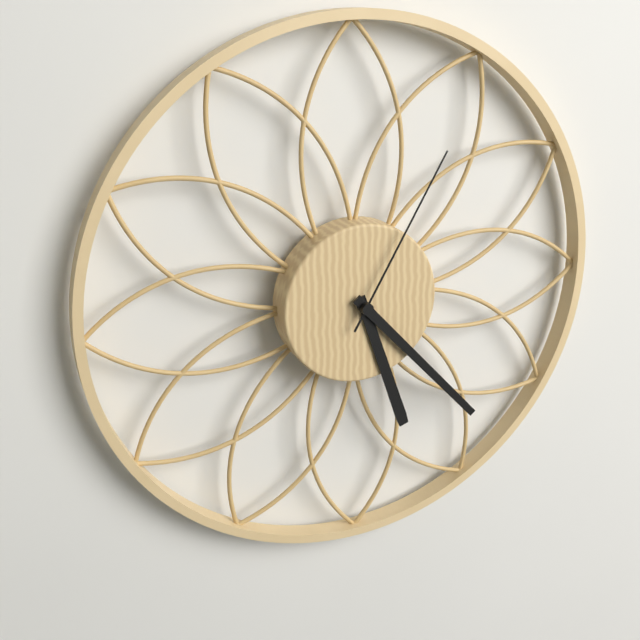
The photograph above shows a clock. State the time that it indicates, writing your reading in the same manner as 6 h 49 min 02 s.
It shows 5 h 23 min 05 s
